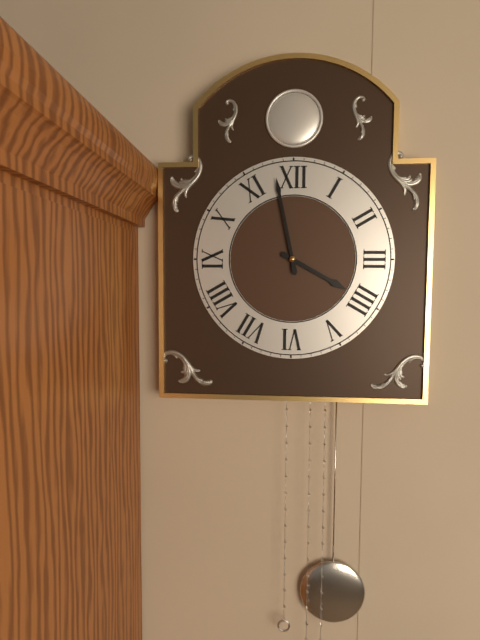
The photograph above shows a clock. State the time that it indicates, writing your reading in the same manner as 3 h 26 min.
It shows 3 h 58 min
